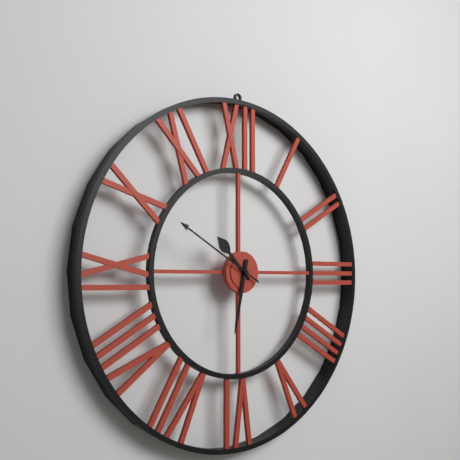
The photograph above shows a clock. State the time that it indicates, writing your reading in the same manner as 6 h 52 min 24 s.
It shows 10 h 32 min 50 s
